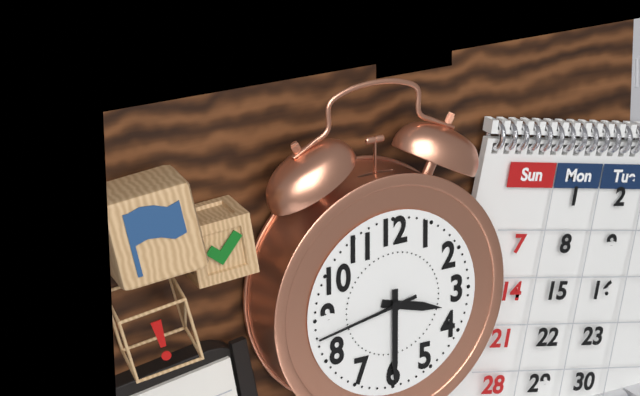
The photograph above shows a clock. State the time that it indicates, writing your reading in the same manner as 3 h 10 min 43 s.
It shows 3 h 30 min 43 s
